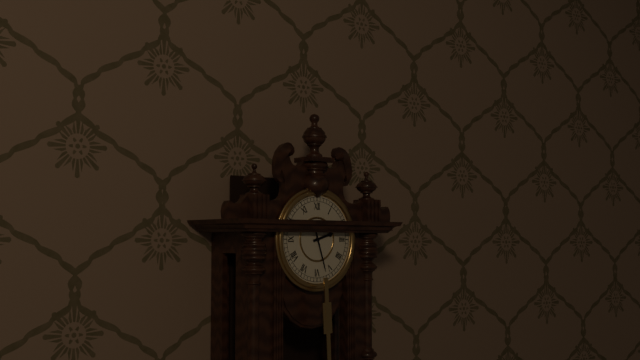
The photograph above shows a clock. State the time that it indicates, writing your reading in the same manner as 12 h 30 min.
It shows 2 h 27 min
